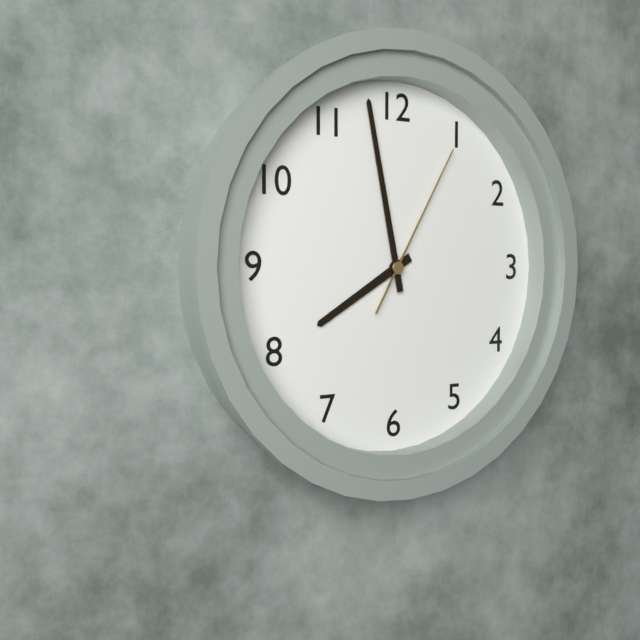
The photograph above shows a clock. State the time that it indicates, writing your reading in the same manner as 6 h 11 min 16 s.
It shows 7 h 58 min 05 s
